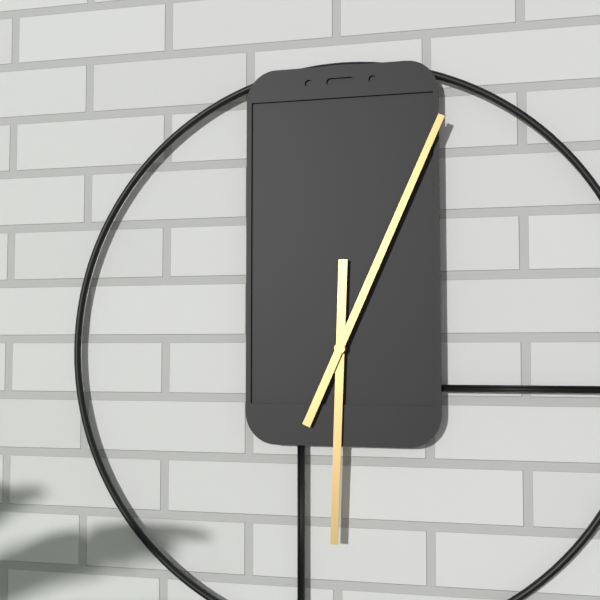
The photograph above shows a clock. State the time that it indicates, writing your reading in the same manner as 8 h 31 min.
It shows 6 h 04 min
